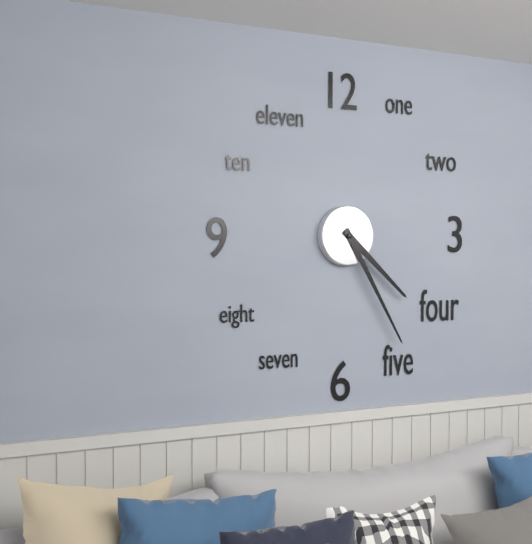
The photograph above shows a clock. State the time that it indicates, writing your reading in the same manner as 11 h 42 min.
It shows 4 h 25 min
